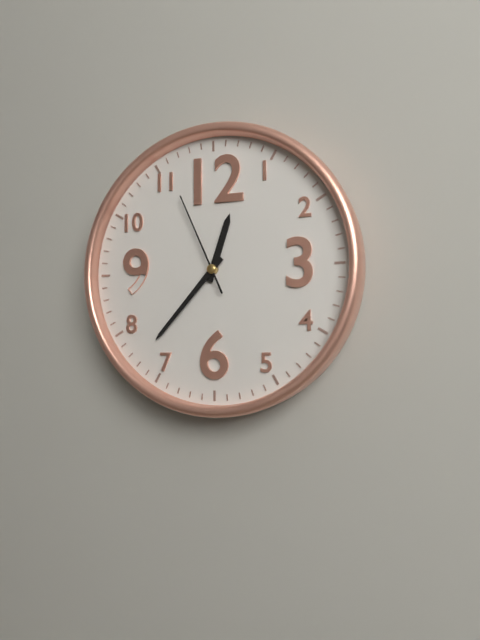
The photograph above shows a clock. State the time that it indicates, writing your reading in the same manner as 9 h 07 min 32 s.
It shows 12 h 37 min 56 s
